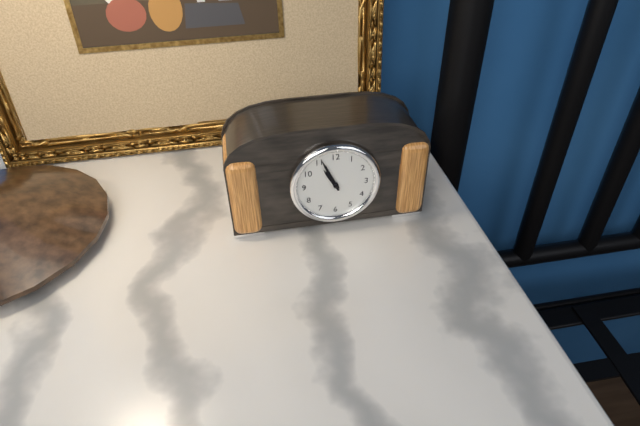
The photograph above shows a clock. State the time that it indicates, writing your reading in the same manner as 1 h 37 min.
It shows 10 h 56 min
